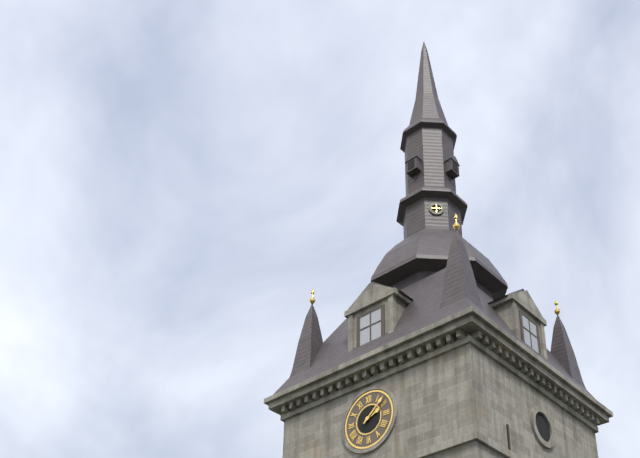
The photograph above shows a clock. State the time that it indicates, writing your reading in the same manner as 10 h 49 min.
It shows 2 h 08 min
